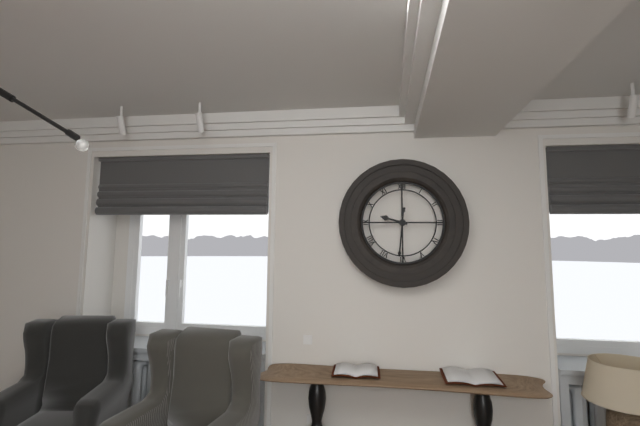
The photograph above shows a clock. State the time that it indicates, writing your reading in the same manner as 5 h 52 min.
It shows 9 h 31 min
